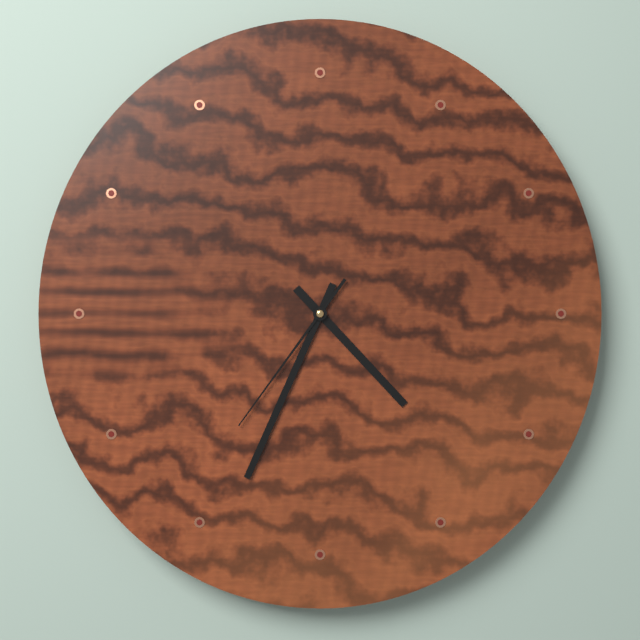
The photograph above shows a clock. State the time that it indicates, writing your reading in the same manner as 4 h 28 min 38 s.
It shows 4 h 34 min 36 s
